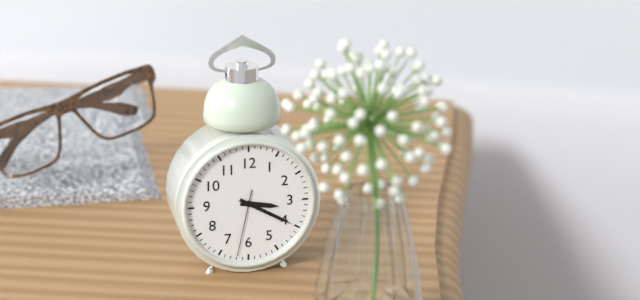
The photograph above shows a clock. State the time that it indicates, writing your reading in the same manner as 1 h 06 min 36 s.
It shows 3 h 20 min 32 s
